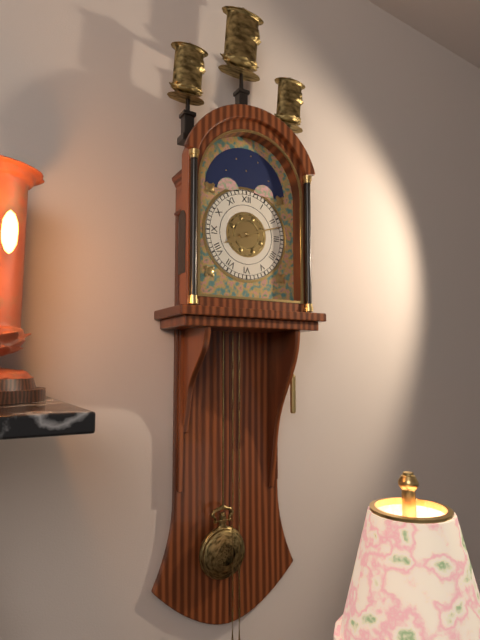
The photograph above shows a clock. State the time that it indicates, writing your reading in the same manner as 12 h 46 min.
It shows 8 h 12 min
